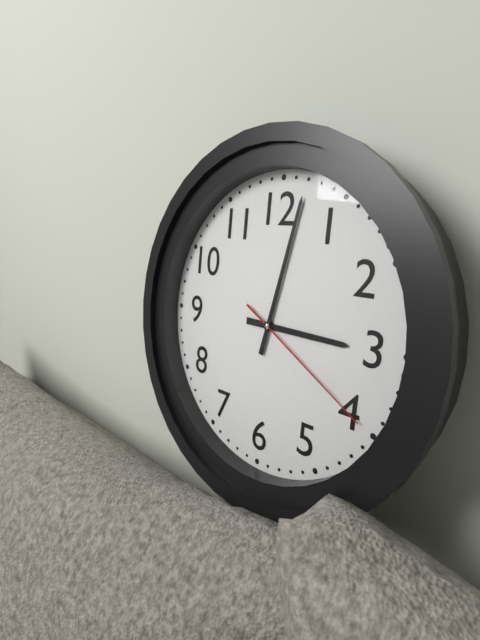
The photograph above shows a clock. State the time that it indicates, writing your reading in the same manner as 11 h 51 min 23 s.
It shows 3 h 02 min 20 s
